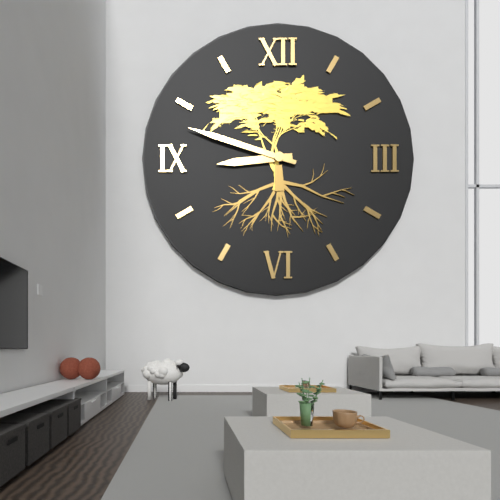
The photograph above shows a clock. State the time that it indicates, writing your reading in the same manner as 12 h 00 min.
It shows 8 h 48 min
